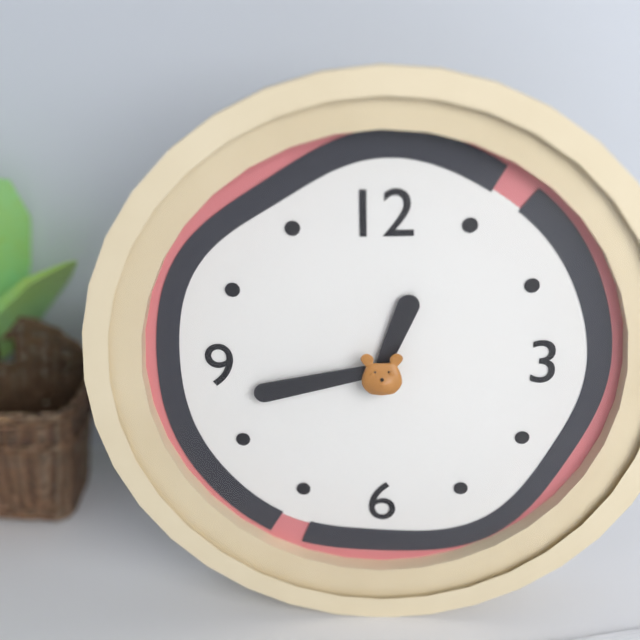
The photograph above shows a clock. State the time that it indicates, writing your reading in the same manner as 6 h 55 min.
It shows 12 h 43 min
